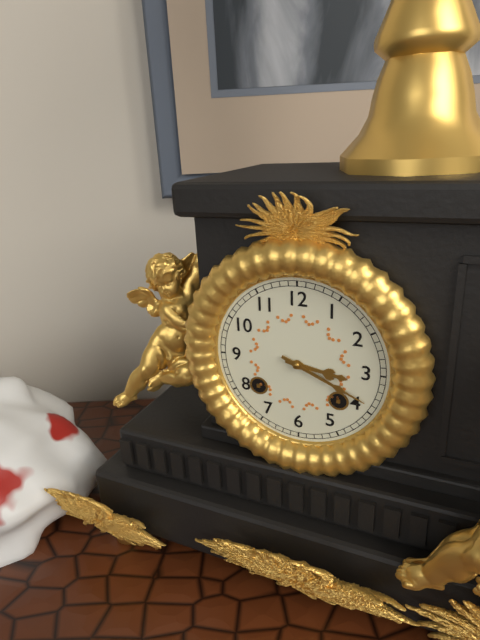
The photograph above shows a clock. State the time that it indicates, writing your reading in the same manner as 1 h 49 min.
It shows 3 h 19 min
